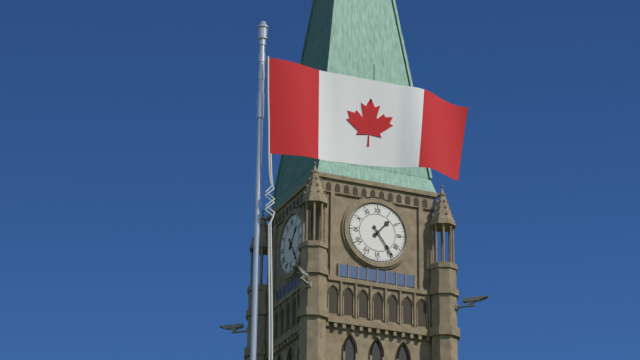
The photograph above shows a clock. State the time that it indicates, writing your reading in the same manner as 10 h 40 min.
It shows 1 h 24 min
